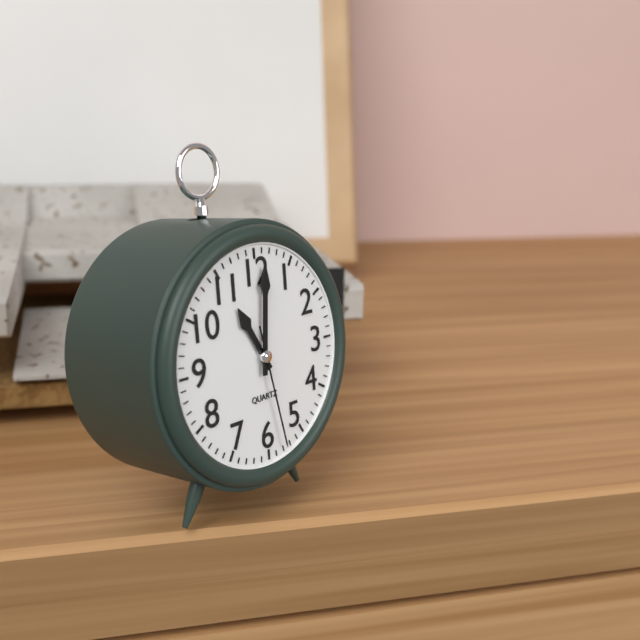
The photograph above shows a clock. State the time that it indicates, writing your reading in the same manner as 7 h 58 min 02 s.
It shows 11 h 01 min 28 s
